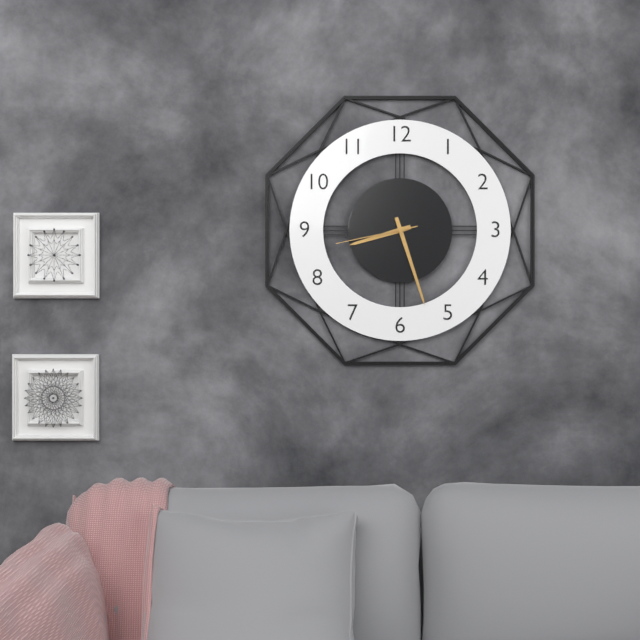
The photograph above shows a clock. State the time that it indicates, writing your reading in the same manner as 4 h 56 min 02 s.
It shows 8 h 27 min 43 s
